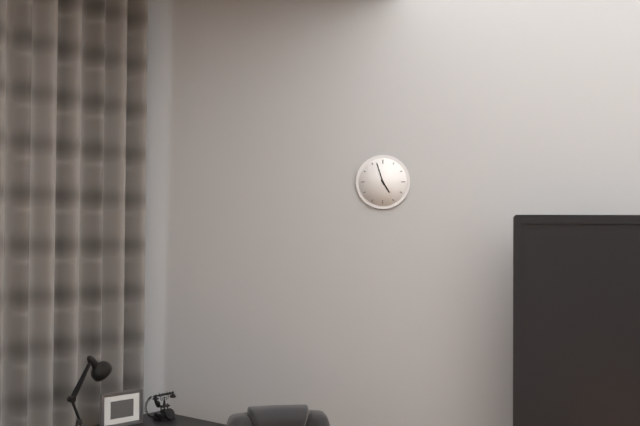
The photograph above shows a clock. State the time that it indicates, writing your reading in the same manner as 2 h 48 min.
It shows 4 h 57 min
